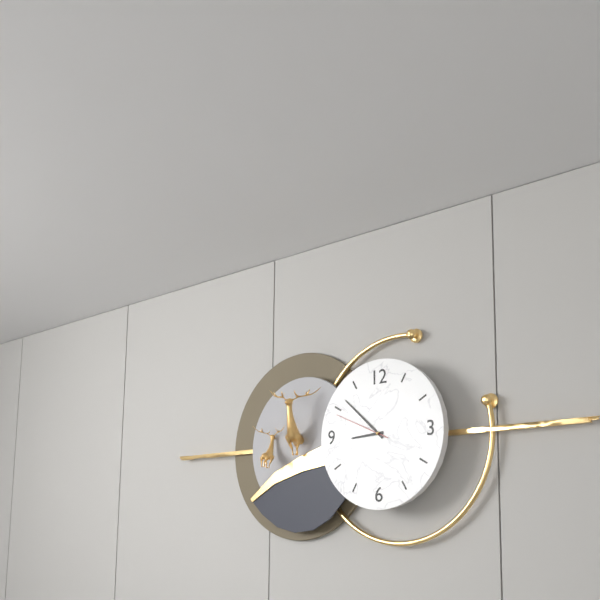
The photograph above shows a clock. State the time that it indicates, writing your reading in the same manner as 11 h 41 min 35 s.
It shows 8 h 52 min 49 s
